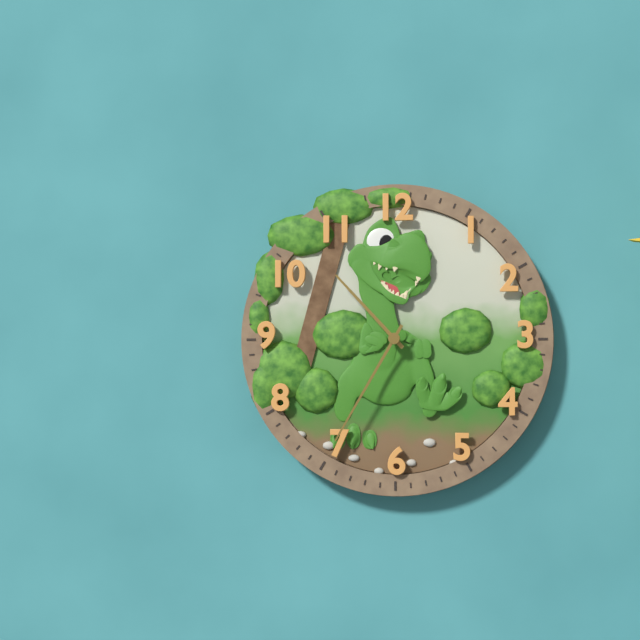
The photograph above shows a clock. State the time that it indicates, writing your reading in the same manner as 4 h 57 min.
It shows 10 h 35 min
